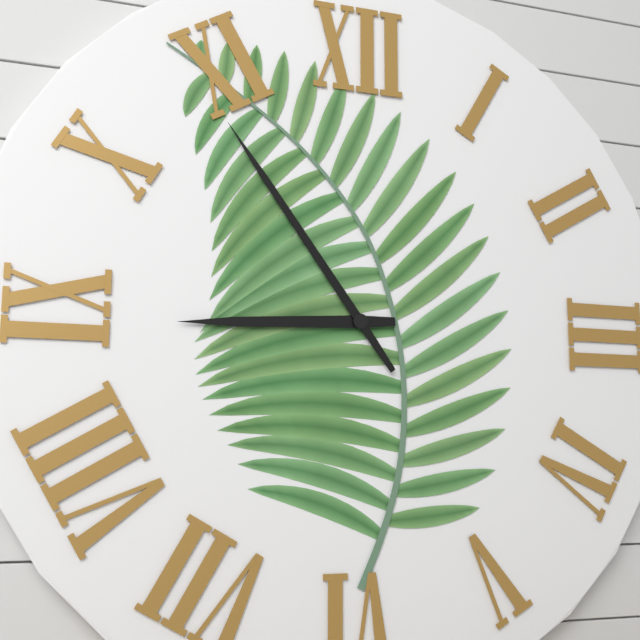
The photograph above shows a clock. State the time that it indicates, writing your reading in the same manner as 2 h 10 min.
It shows 8 h 54 min
